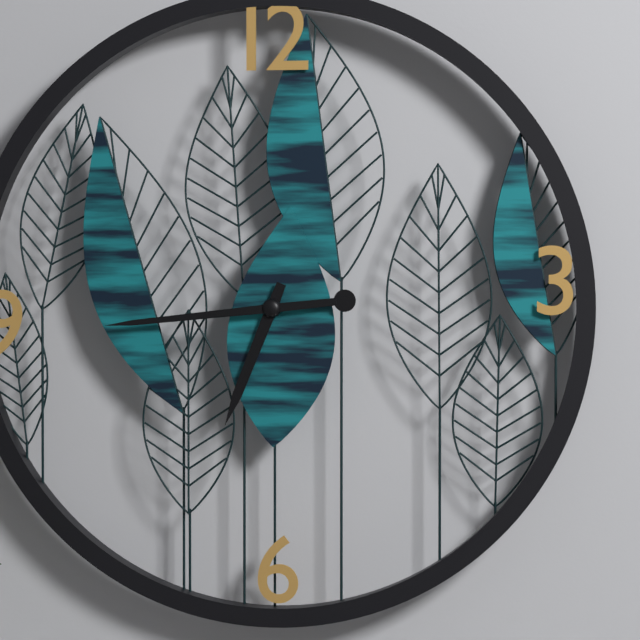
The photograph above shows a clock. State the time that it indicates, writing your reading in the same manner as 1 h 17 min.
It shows 6 h 44 min
